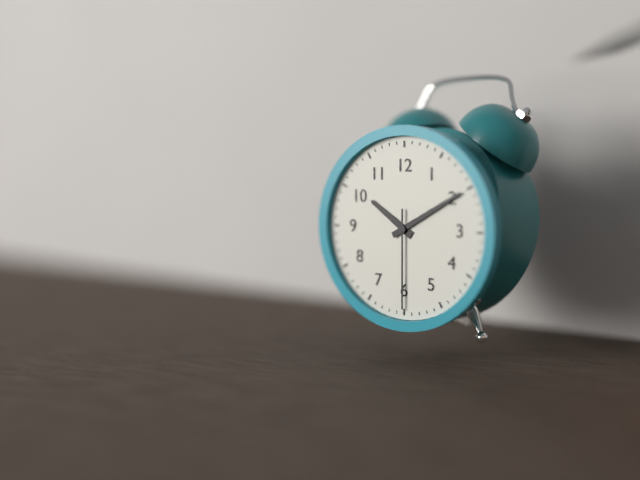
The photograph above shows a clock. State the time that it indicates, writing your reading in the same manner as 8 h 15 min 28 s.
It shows 10 h 10 min 30 s
